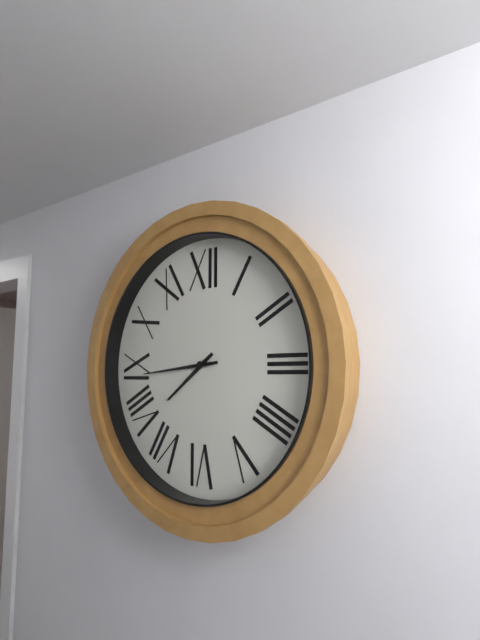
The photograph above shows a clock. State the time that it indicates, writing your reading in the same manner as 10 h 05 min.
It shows 7 h 44 min
